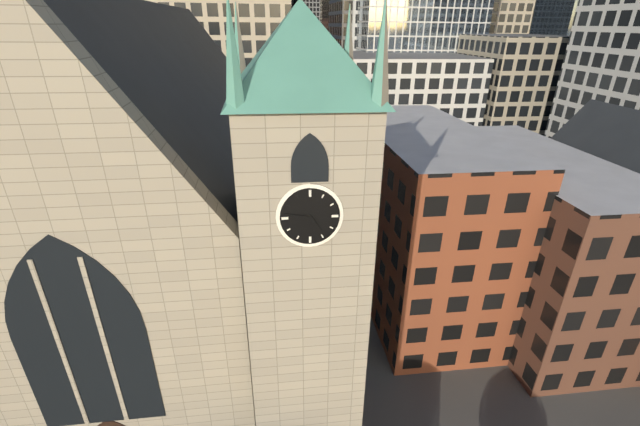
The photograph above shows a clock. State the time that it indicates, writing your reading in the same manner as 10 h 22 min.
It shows 4 h 47 min
